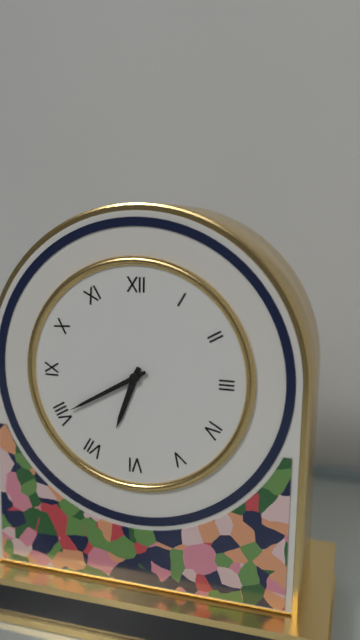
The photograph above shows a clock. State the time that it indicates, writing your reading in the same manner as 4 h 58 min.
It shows 6 h 40 min
